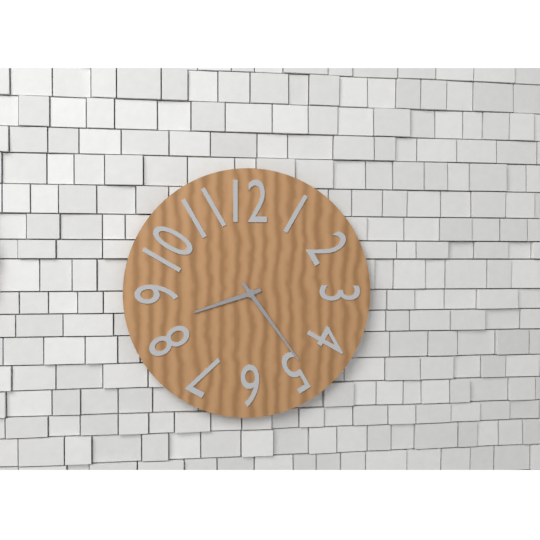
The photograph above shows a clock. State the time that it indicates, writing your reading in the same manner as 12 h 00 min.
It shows 8 h 24 min
